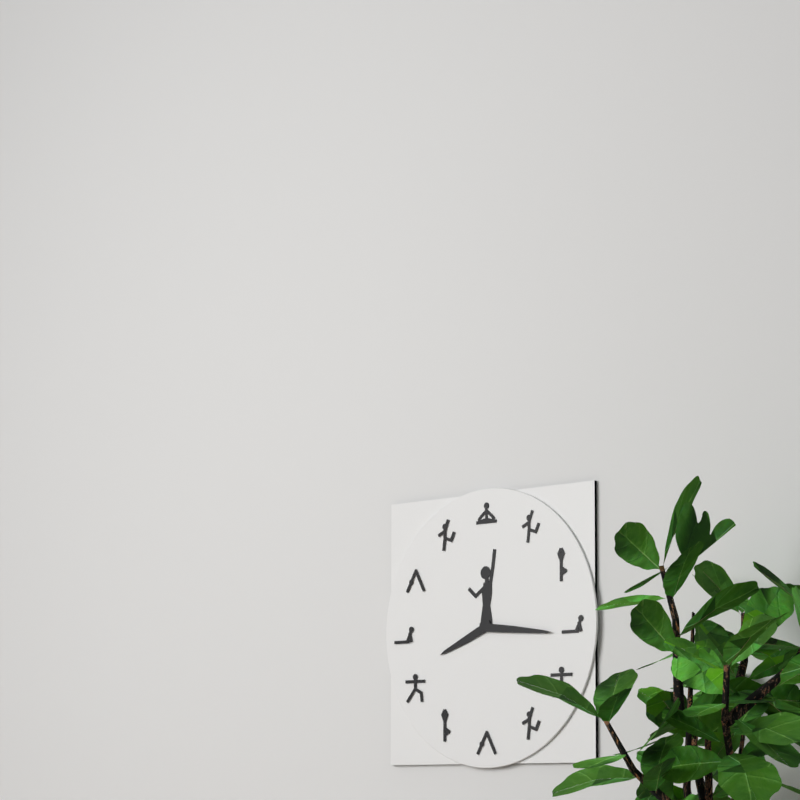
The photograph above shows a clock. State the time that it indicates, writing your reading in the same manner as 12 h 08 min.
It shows 8 h 16 min
